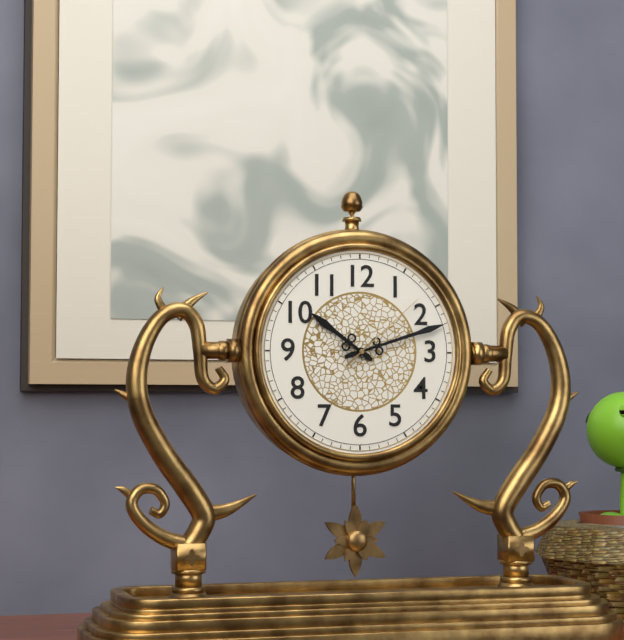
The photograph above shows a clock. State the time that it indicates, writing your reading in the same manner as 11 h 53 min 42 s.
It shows 10 h 12 min 08 s
